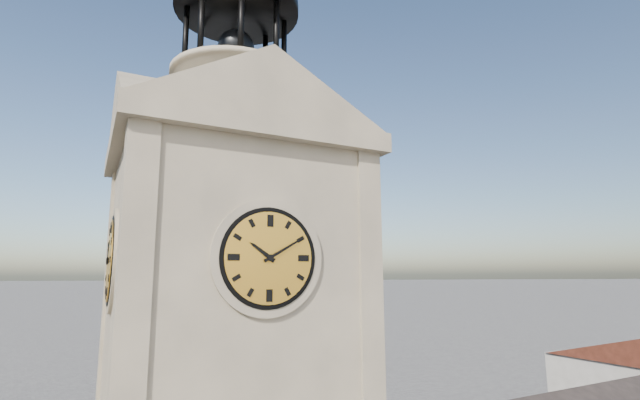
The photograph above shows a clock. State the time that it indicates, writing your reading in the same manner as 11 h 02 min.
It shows 10 h 10 min
